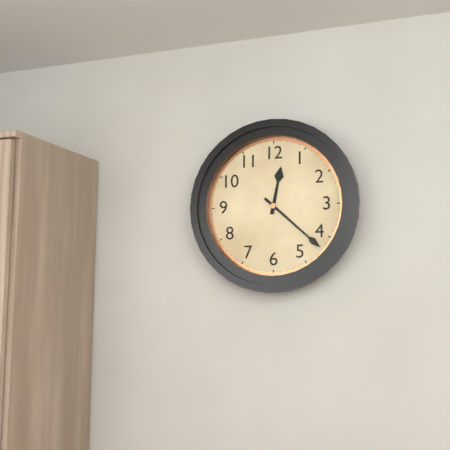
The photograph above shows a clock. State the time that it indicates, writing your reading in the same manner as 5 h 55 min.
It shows 12 h 22 min
